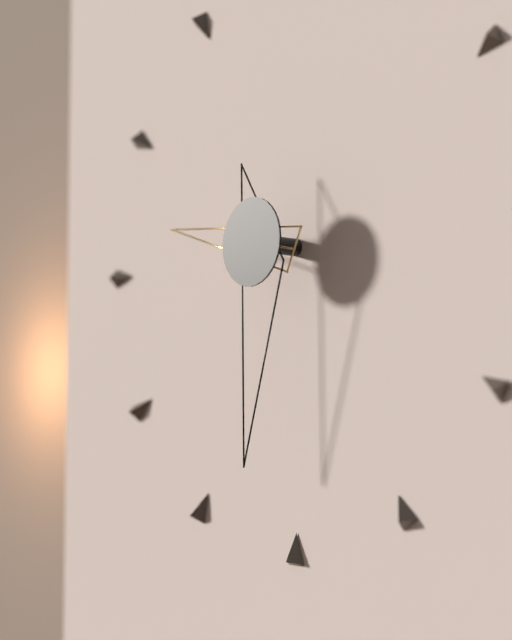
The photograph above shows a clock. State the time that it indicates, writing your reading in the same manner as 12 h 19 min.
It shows 9 h 31 min
